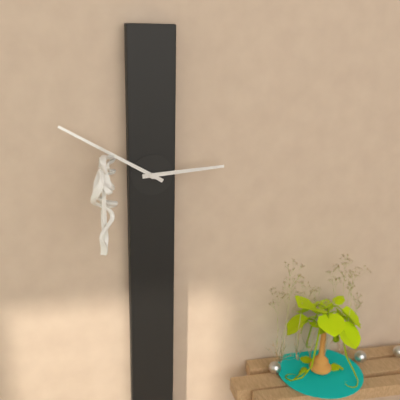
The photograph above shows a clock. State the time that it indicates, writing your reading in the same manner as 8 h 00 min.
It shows 2 h 50 min
